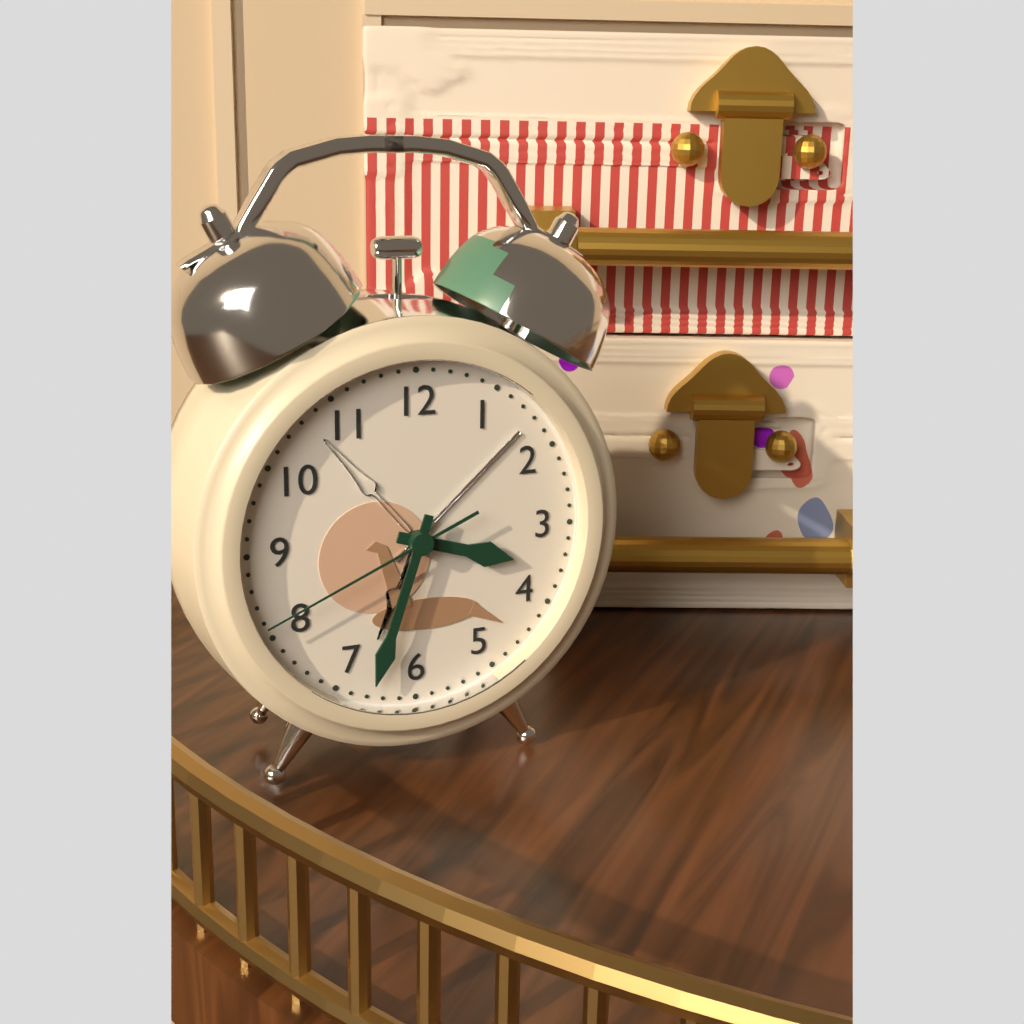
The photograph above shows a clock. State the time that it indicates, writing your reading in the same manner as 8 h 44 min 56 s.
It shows 3 h 33 min 41 s
